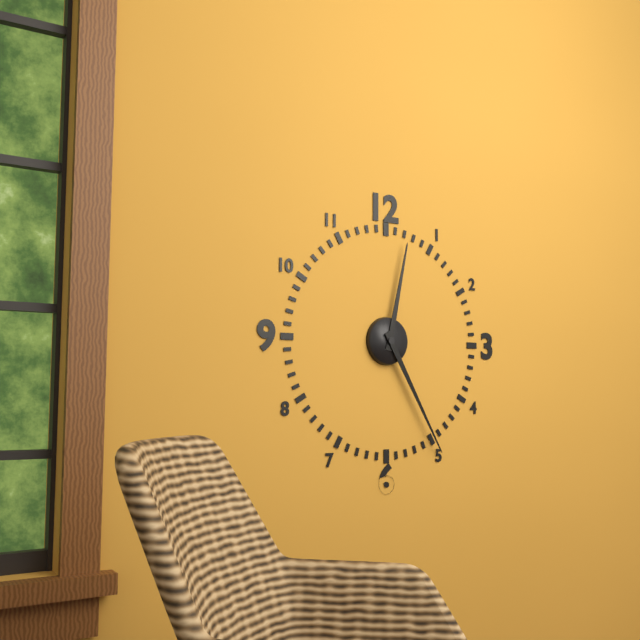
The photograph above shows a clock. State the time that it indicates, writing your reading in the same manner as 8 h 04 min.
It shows 12 h 25 min
